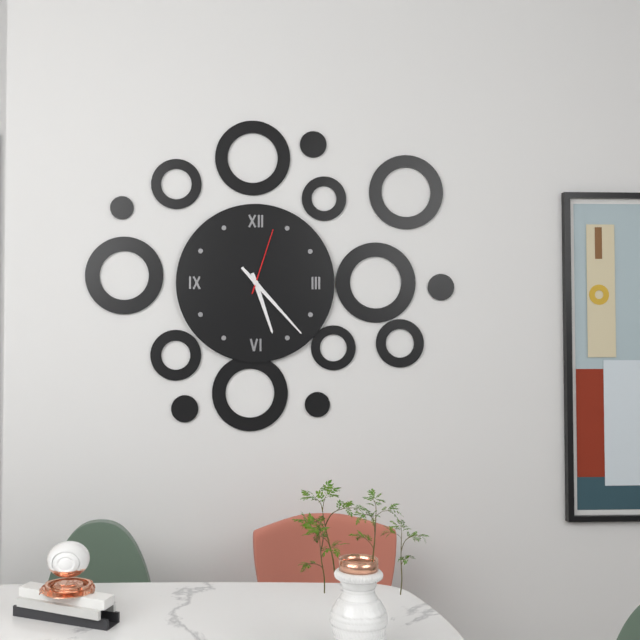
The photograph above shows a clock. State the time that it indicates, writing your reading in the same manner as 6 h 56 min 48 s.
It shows 5 h 23 min 03 s
